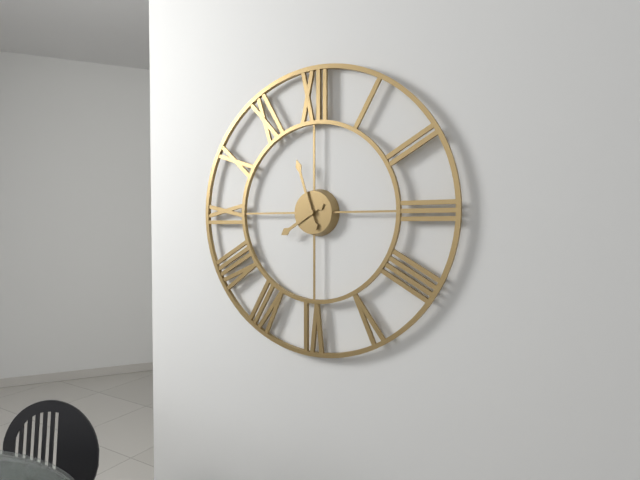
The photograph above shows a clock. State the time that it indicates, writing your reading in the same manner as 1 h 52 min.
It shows 7 h 57 min
